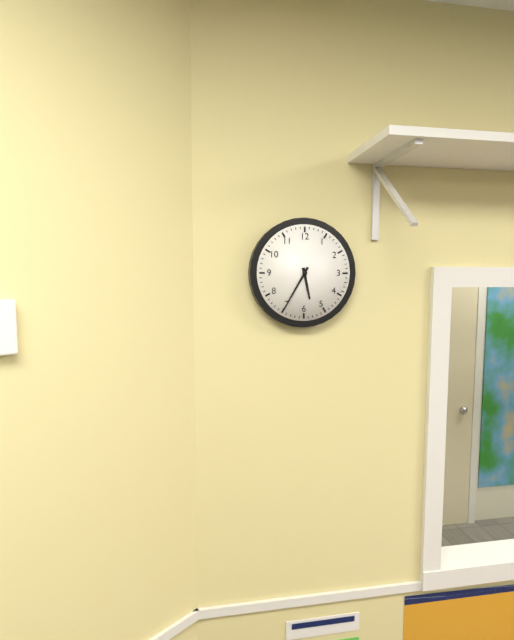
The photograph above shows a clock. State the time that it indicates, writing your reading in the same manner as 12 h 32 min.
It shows 5 h 35 min
